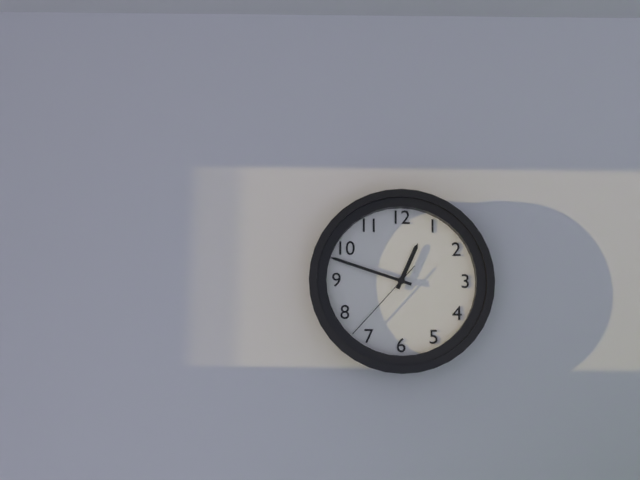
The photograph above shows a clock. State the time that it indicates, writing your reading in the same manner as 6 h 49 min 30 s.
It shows 12 h 48 min 37 s
